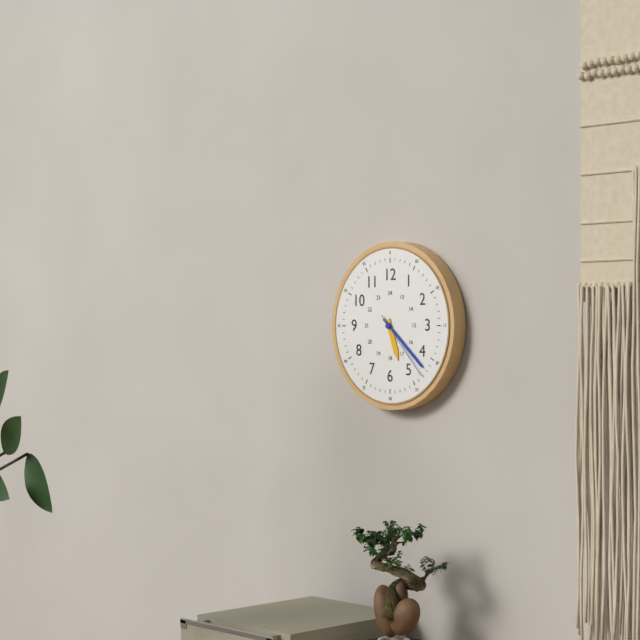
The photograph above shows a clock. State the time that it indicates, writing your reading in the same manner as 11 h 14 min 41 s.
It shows 5 h 22 min 23 s
